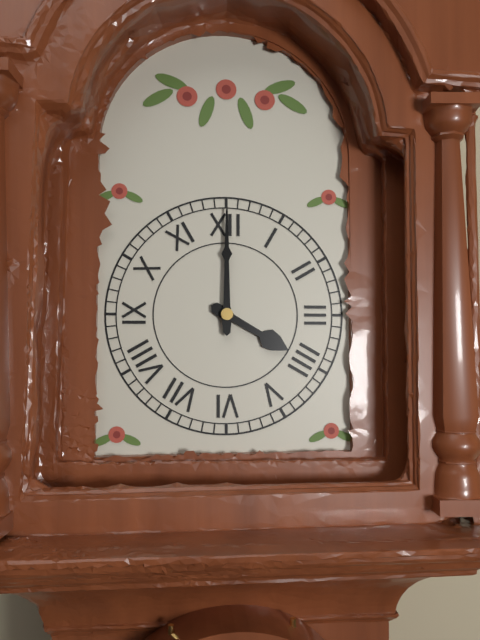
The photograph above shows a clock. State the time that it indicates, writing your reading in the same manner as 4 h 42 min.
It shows 4 h 00 min
